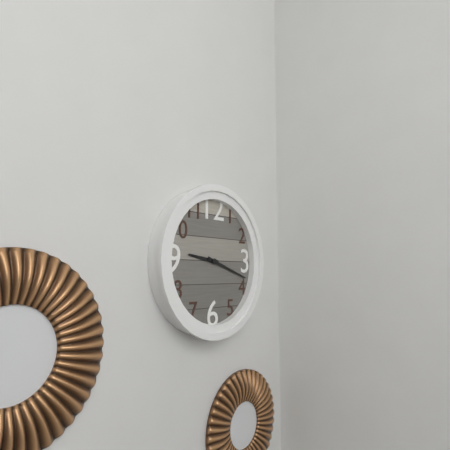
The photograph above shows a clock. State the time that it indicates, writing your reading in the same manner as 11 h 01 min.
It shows 9 h 18 min
